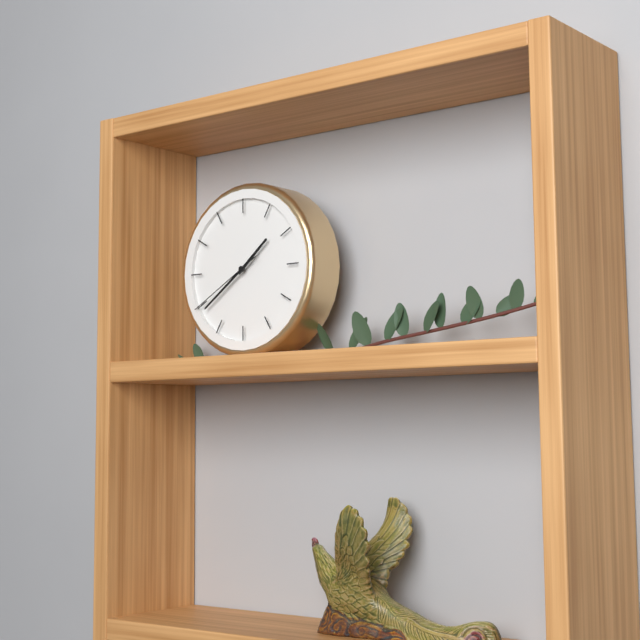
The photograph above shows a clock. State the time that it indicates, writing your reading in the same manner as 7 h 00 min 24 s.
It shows 1 h 39 min 40 s
